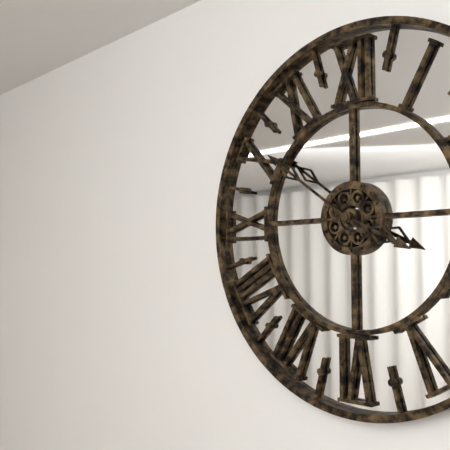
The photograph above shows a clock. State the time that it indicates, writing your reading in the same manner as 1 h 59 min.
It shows 3 h 51 min
